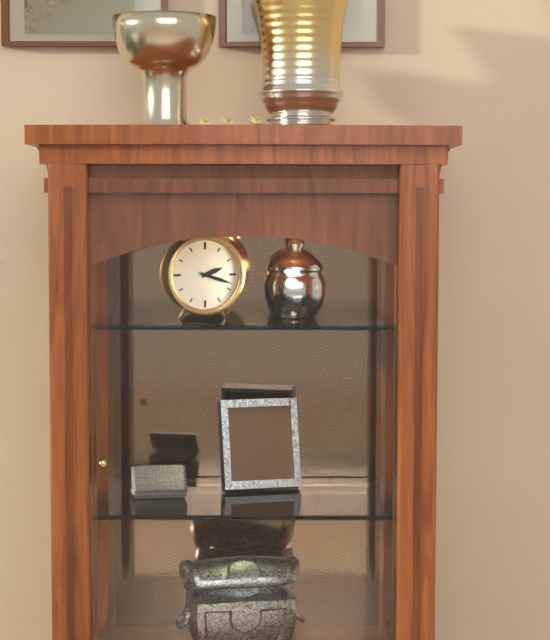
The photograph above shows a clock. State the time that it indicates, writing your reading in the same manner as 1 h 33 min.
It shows 2 h 18 min
